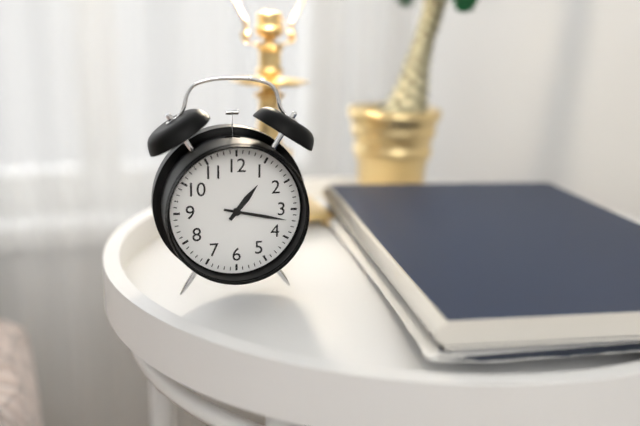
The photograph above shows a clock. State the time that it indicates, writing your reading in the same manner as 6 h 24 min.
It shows 1 h 17 min
